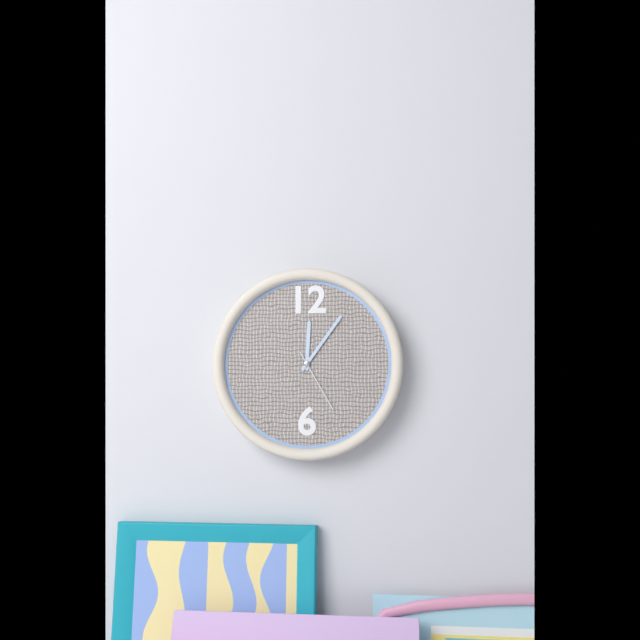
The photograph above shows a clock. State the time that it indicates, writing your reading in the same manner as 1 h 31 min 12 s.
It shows 12 h 06 min 25 s
